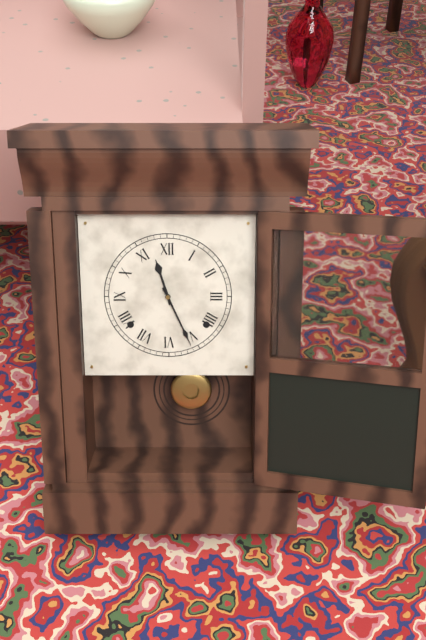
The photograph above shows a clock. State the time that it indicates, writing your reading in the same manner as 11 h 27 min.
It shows 11 h 26 min
